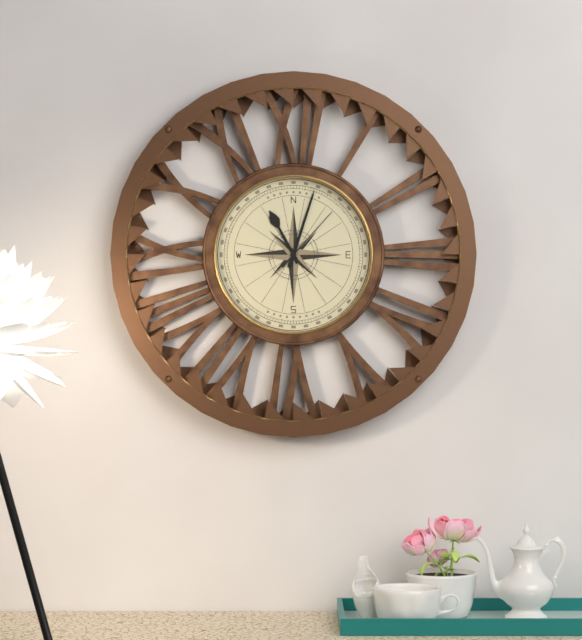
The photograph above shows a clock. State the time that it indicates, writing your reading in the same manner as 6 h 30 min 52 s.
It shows 11 h 03 min 07 s
